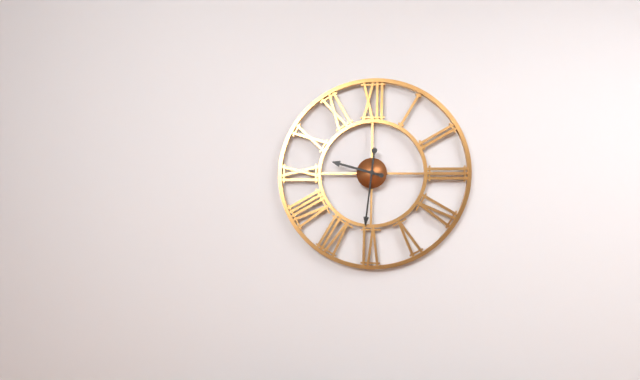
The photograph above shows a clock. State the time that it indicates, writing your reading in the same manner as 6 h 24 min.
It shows 9 h 31 min
